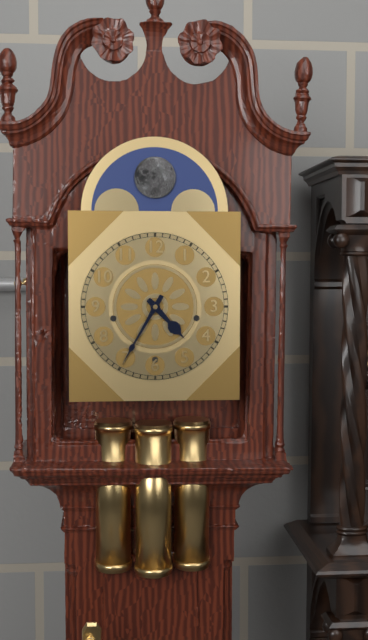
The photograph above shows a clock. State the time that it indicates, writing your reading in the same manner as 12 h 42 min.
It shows 4 h 35 min
